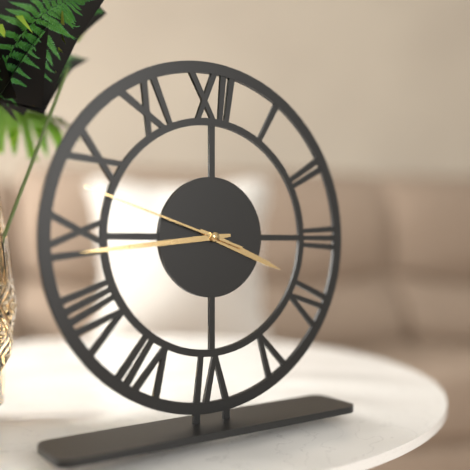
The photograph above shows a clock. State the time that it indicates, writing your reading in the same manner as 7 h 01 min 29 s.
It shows 3 h 44 min 48 s
